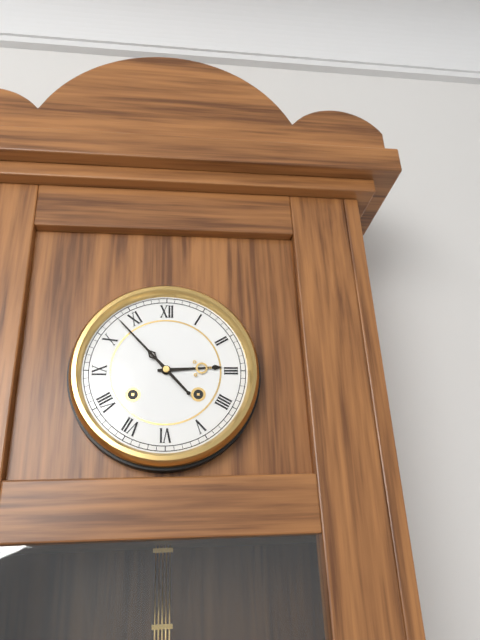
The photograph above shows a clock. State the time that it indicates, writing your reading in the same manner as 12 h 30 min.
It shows 2 h 53 min
